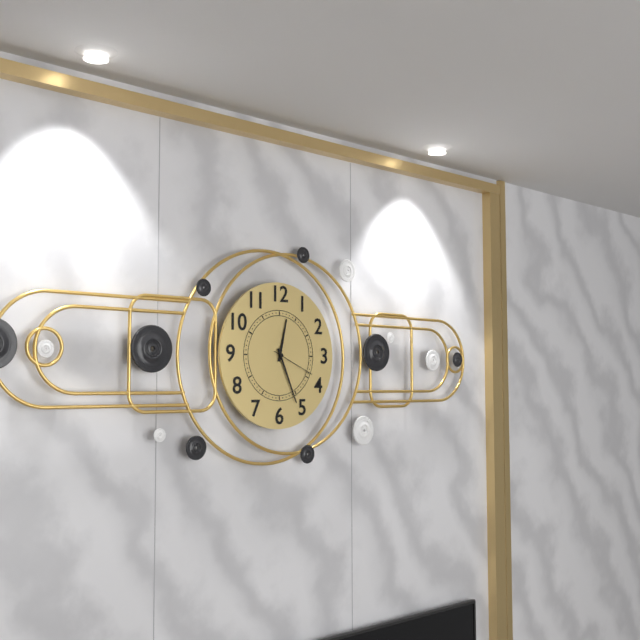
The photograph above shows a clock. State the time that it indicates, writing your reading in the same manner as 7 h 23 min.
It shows 12 h 26 min
